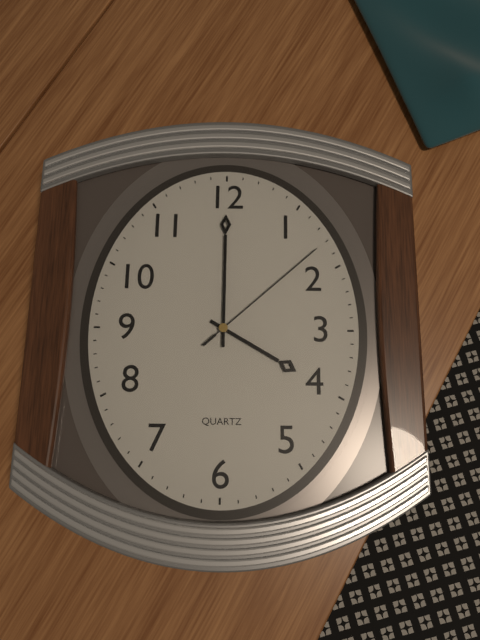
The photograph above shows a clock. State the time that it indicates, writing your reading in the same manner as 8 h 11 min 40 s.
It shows 4 h 00 min 08 s
